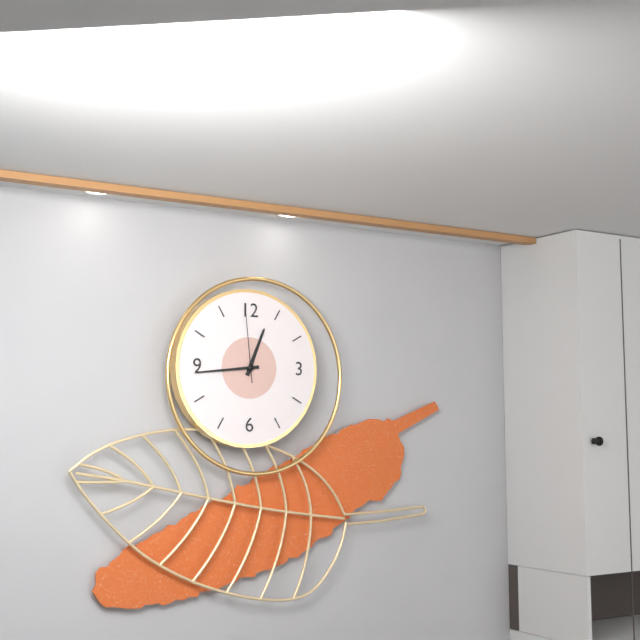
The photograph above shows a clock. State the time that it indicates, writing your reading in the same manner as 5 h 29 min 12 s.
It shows 12 h 44 min 59 s
